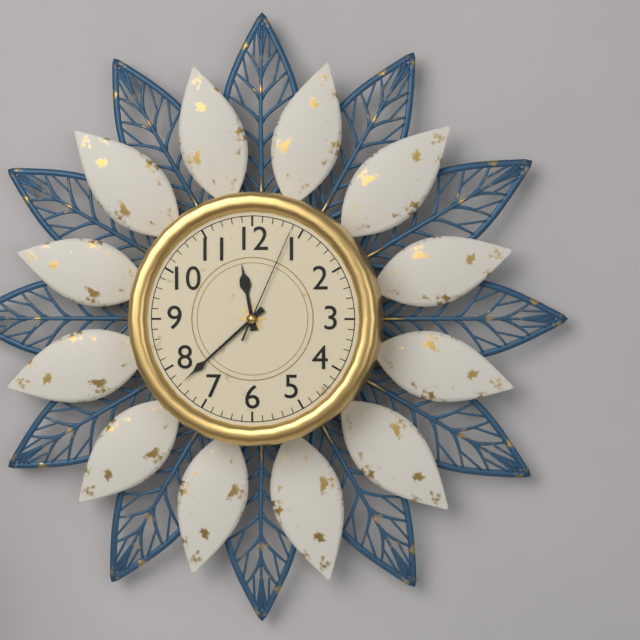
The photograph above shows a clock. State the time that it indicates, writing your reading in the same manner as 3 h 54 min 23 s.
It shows 11 h 38 min 04 s
